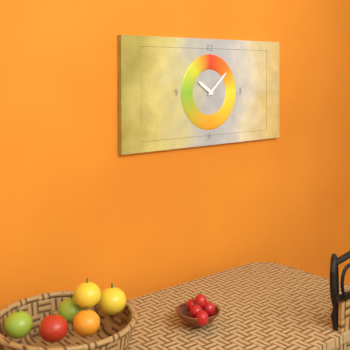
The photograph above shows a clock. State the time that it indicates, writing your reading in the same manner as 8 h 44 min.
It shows 10 h 08 min
